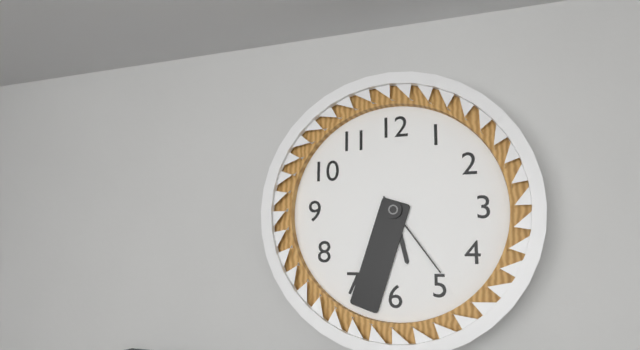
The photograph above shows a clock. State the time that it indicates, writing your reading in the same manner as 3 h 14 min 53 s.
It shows 5 h 33 min 24 s
